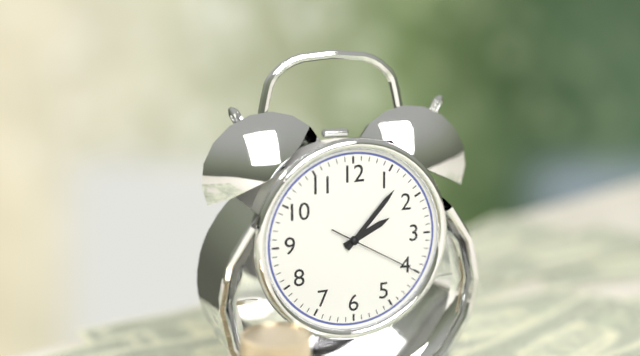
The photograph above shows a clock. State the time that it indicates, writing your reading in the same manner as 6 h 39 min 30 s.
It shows 2 h 07 min 20 s
